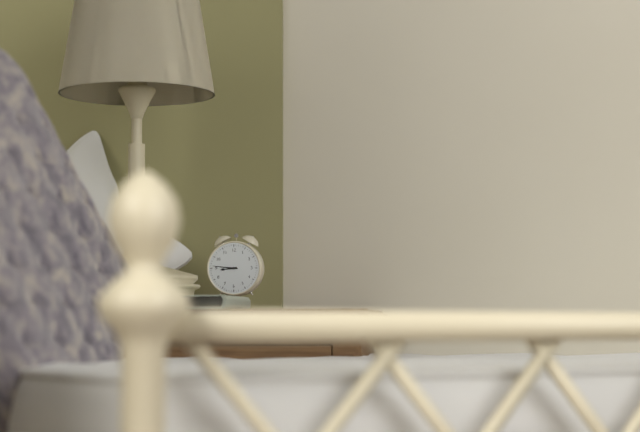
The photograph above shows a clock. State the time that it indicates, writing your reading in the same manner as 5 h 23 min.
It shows 8 h 46 min
